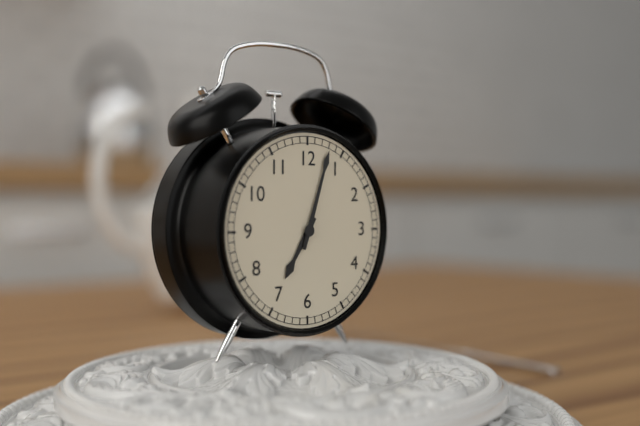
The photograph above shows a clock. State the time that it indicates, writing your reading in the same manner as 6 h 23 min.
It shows 7 h 03 min
